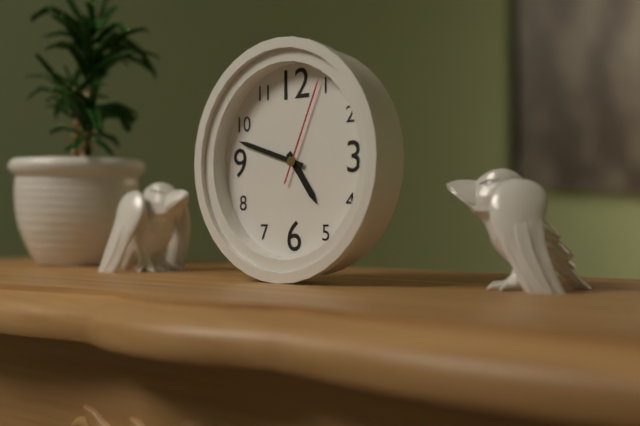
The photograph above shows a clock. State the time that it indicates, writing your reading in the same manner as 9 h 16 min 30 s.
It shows 4 h 48 min 04 s
